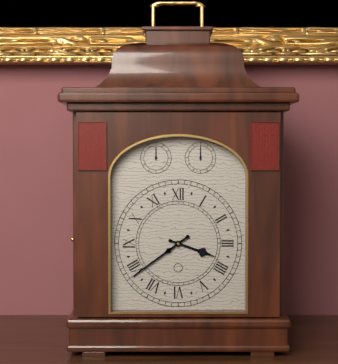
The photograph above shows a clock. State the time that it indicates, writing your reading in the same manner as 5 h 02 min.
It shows 3 h 39 min
